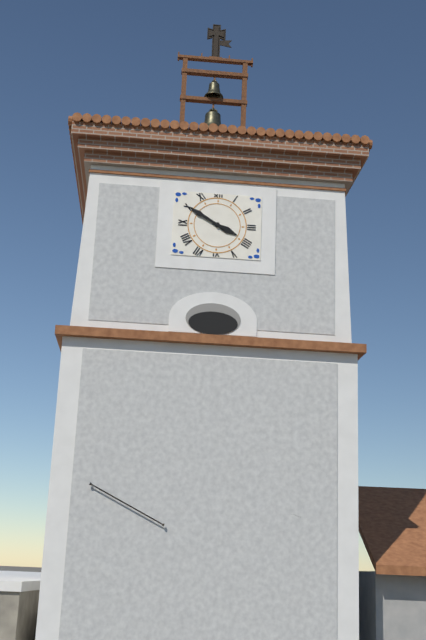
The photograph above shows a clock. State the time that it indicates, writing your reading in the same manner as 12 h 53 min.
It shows 3 h 50 min
